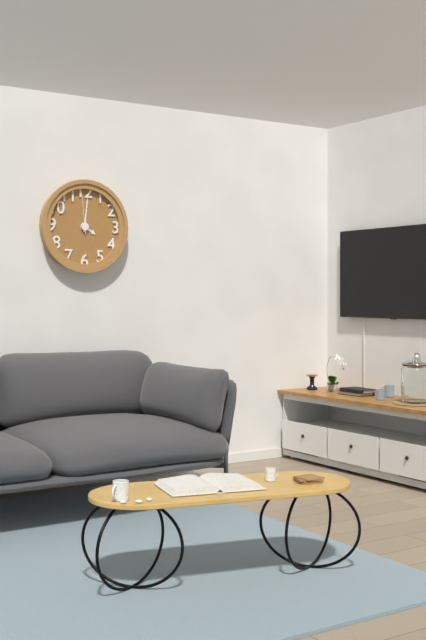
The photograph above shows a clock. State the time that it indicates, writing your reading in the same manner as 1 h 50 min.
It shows 4 h 01 min
